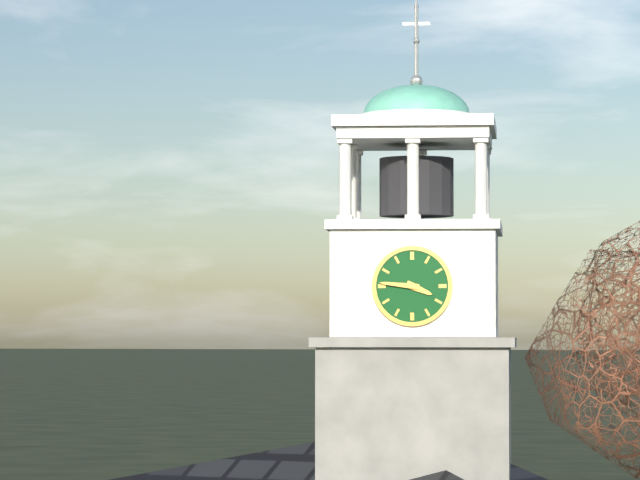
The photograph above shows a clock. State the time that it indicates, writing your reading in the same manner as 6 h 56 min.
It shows 3 h 46 min
